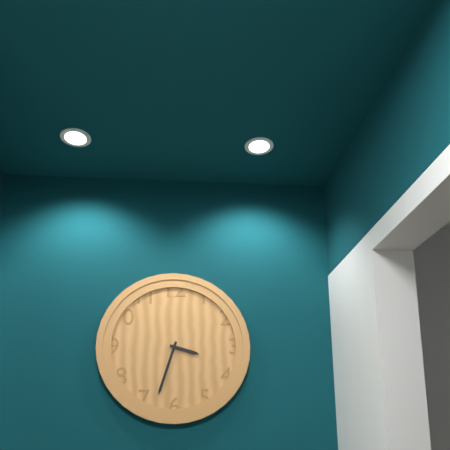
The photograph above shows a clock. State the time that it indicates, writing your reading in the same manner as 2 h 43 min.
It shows 3 h 33 min
